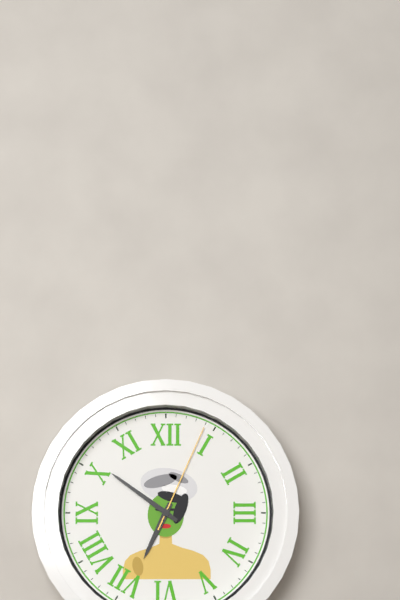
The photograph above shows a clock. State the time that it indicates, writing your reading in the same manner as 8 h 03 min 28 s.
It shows 6 h 51 min 04 s
